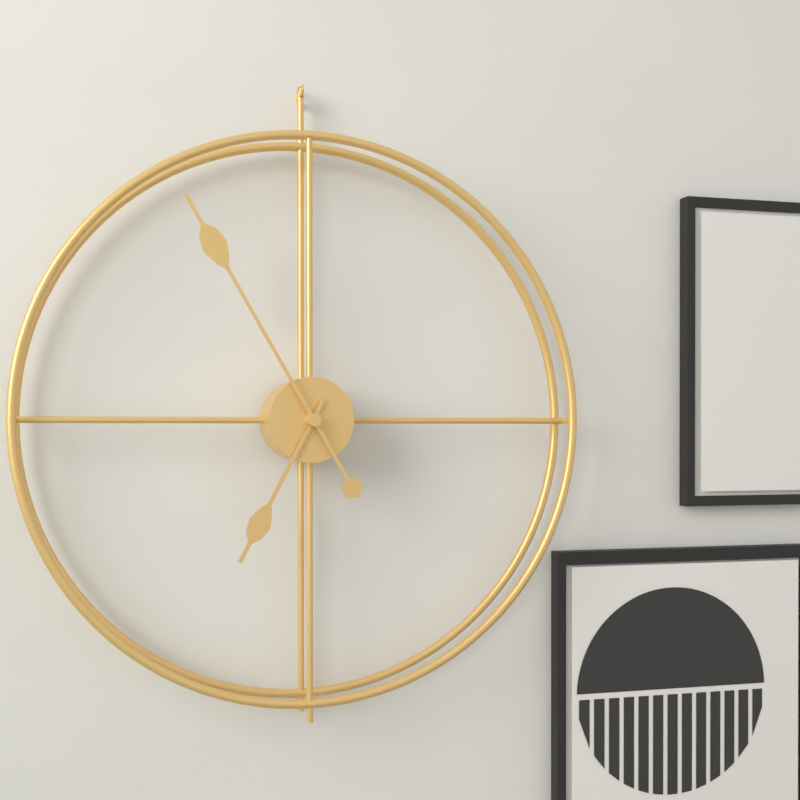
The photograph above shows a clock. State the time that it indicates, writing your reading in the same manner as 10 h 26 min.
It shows 6 h 55 min
